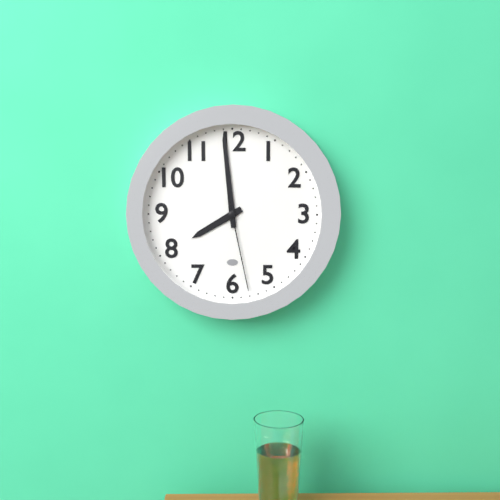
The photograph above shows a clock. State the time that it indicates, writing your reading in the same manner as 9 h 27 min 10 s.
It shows 7 h 59 min 28 s
